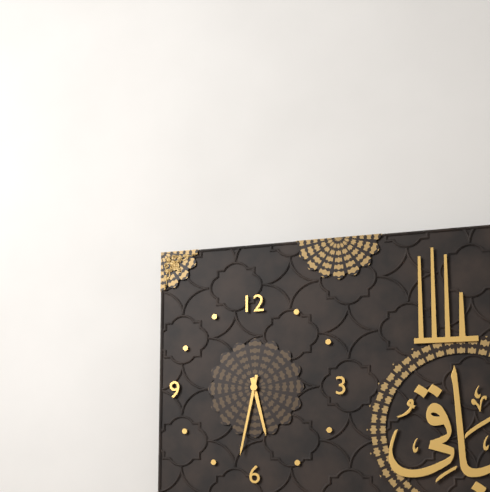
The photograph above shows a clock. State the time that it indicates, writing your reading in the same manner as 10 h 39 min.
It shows 5 h 32 min
